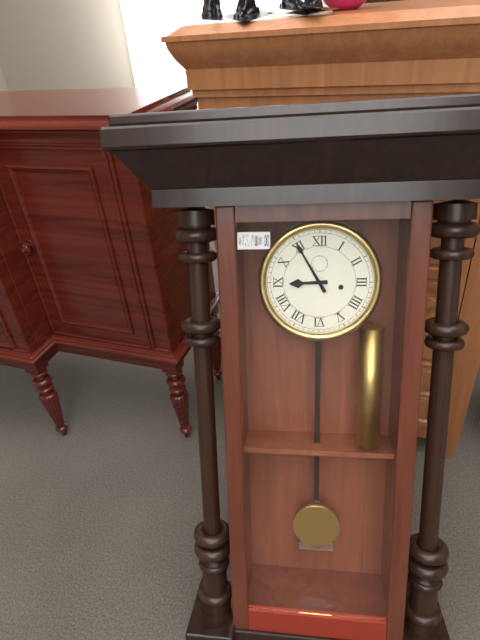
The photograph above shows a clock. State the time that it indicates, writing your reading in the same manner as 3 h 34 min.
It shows 8 h 55 min
